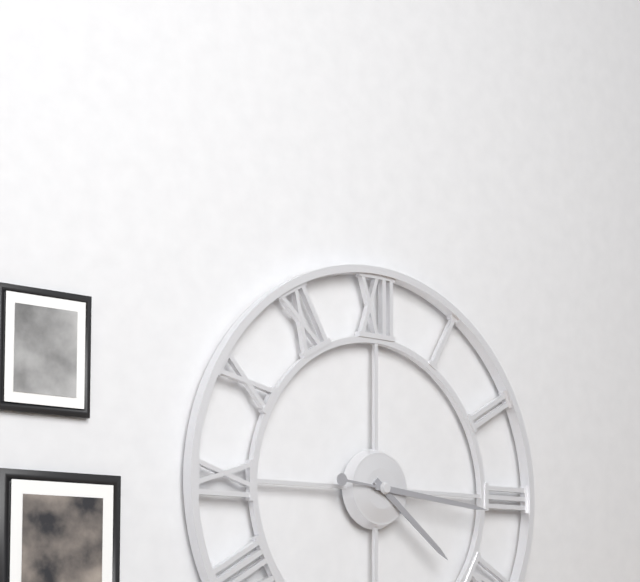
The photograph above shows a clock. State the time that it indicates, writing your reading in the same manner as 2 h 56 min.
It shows 4 h 16 min
